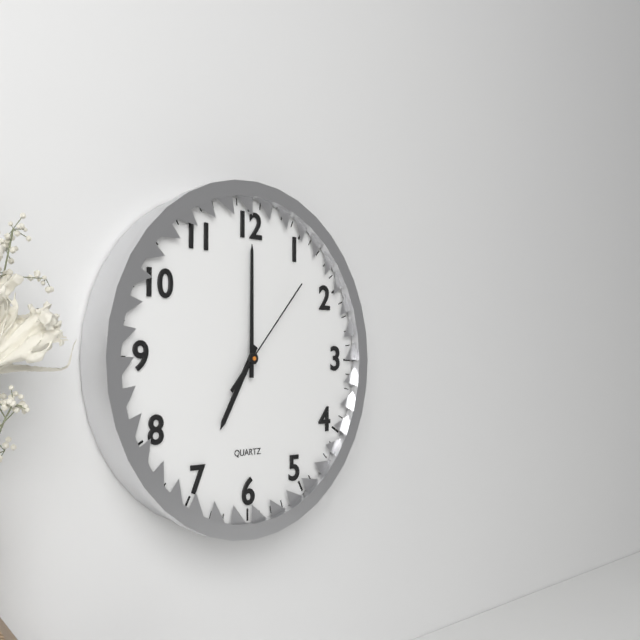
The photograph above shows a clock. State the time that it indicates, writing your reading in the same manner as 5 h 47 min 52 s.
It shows 7 h 00 min 07 s
